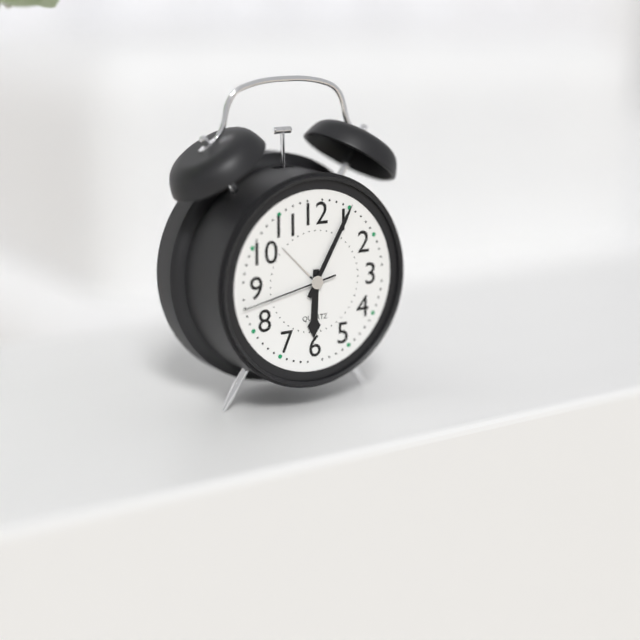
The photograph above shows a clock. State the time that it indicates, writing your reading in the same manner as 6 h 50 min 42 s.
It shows 6 h 05 min 43 s
